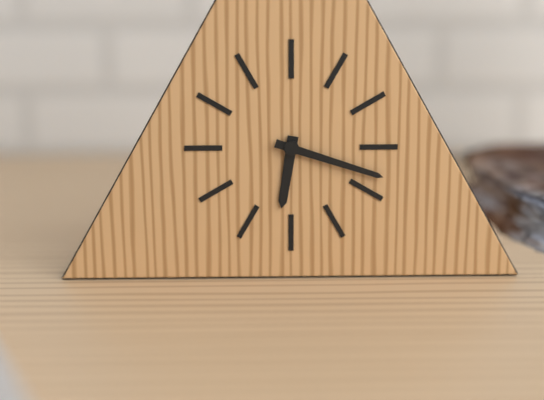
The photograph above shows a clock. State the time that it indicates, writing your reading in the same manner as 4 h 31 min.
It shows 6 h 18 min
